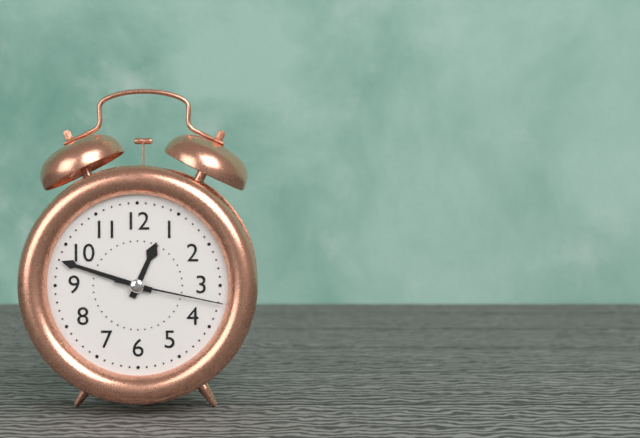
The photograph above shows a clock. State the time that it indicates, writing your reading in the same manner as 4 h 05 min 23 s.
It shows 12 h 48 min 17 s
